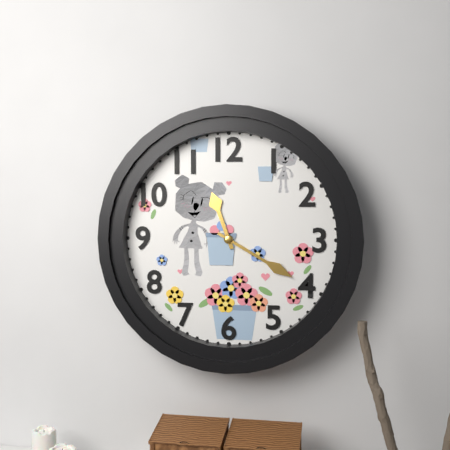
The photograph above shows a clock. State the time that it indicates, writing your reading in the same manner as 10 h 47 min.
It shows 11 h 20 min
